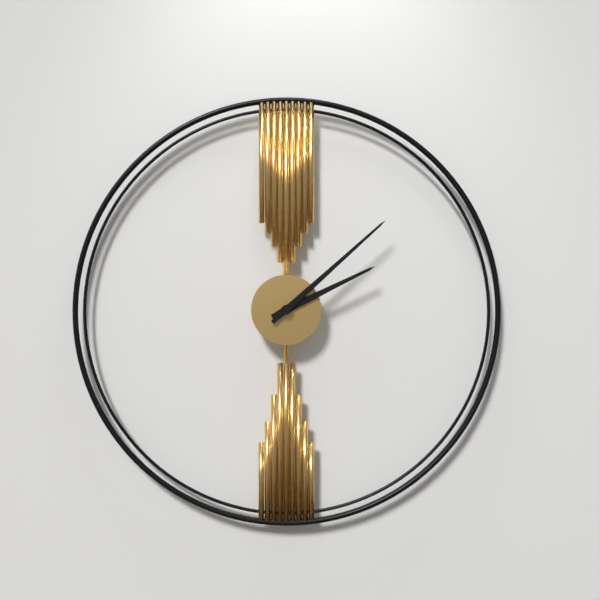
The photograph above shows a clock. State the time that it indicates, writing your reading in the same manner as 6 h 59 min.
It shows 2 h 08 min
